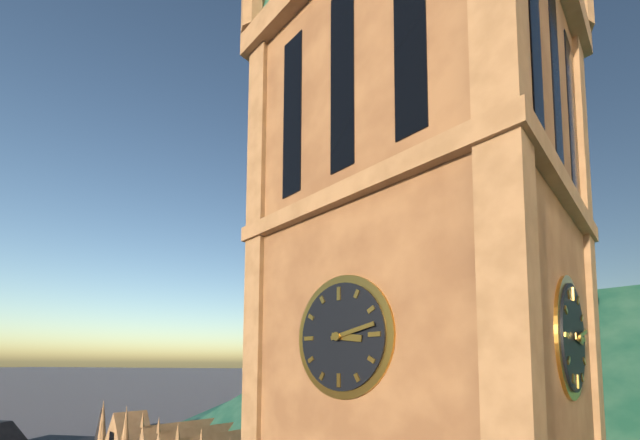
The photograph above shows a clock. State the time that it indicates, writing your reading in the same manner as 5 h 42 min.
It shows 3 h 13 min
